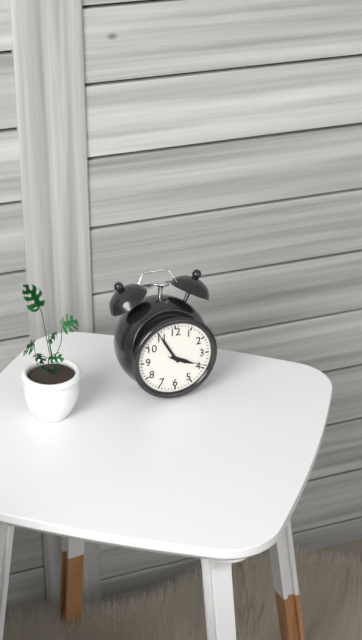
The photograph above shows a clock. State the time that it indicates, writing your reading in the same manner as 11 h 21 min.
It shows 3 h 55 min
